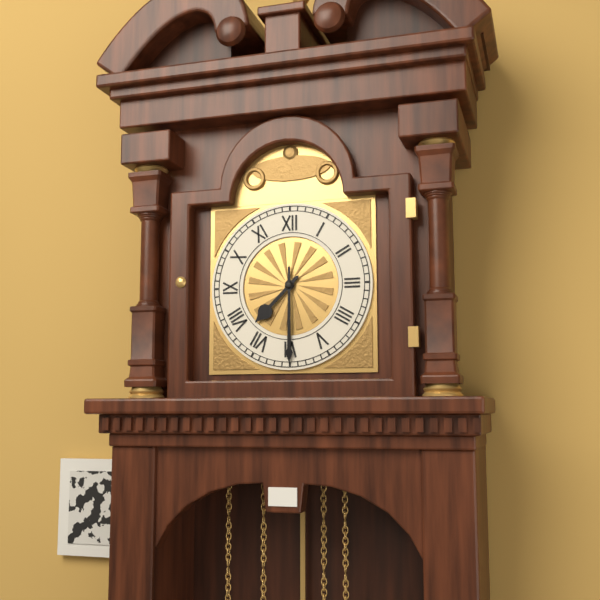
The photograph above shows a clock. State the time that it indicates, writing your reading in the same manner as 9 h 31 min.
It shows 7 h 30 min
